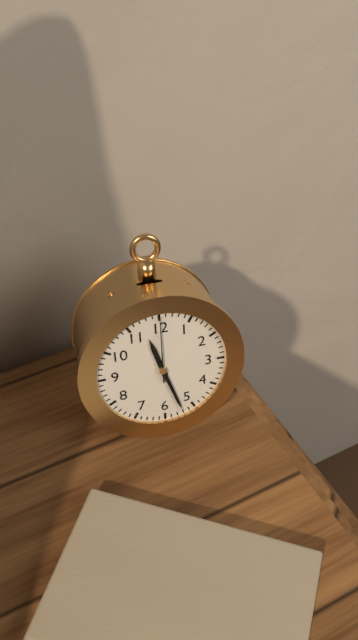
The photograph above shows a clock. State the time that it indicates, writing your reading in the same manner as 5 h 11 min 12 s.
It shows 11 h 27 min 00 s
